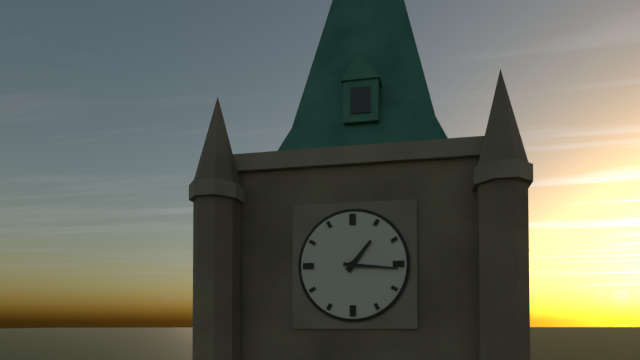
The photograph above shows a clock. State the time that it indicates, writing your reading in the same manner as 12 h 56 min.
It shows 1 h 16 min
